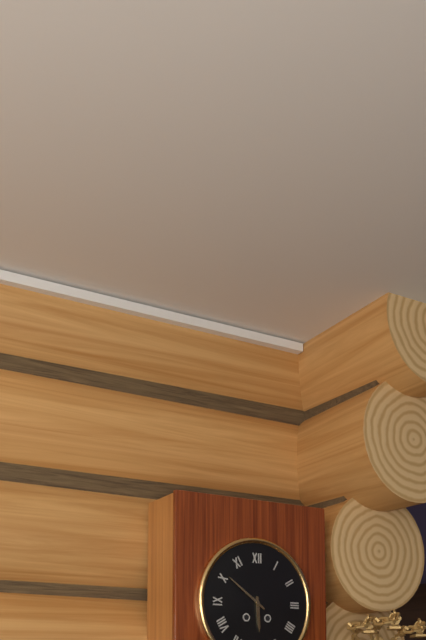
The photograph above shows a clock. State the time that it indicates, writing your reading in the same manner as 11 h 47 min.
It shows 5 h 51 min
